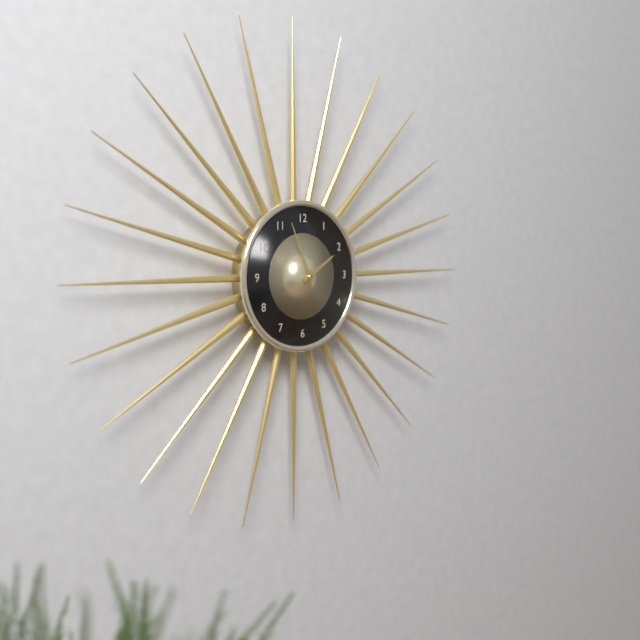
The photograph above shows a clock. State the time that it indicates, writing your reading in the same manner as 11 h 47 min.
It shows 1 h 56 min
